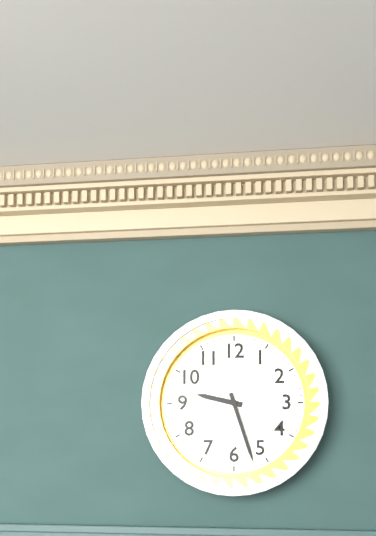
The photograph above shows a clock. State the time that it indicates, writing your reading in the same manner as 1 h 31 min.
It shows 9 h 27 min
